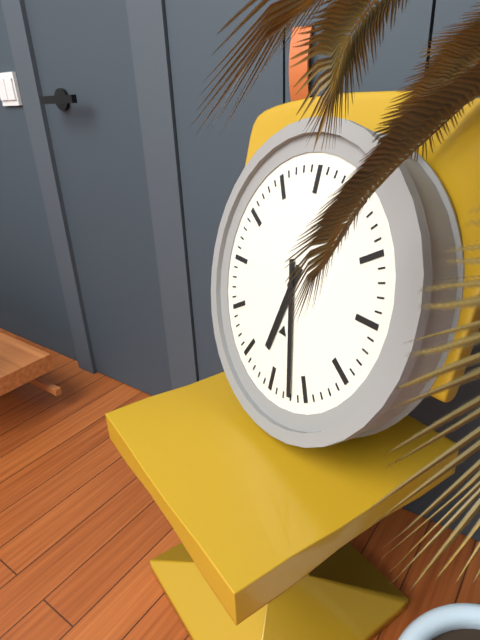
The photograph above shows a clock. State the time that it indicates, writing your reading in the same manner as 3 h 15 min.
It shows 6 h 27 min
